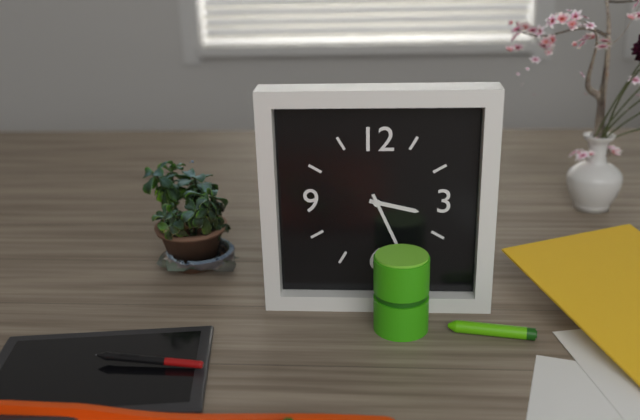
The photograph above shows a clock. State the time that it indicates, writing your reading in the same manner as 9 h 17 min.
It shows 3 h 26 min
